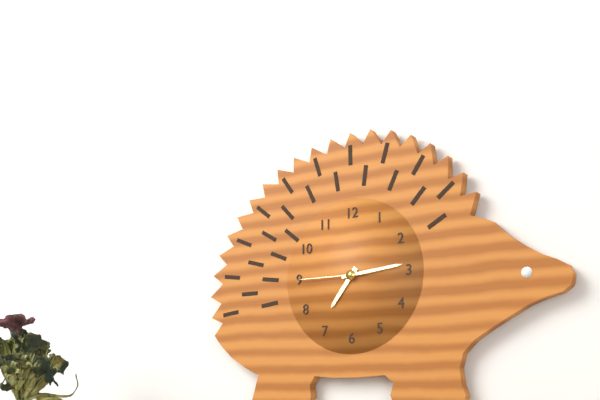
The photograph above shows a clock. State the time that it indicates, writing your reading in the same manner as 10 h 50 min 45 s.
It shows 7 h 14 min 45 s
